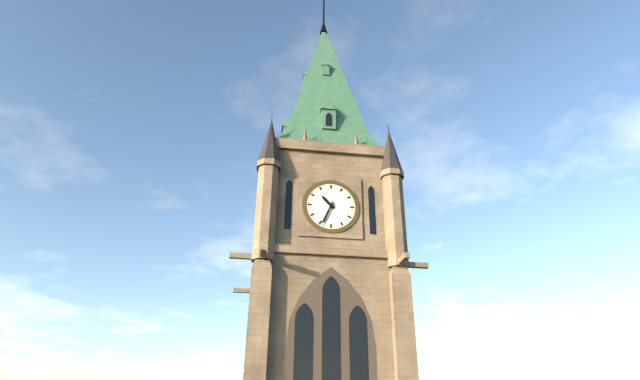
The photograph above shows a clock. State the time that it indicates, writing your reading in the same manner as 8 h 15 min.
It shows 10 h 34 min
